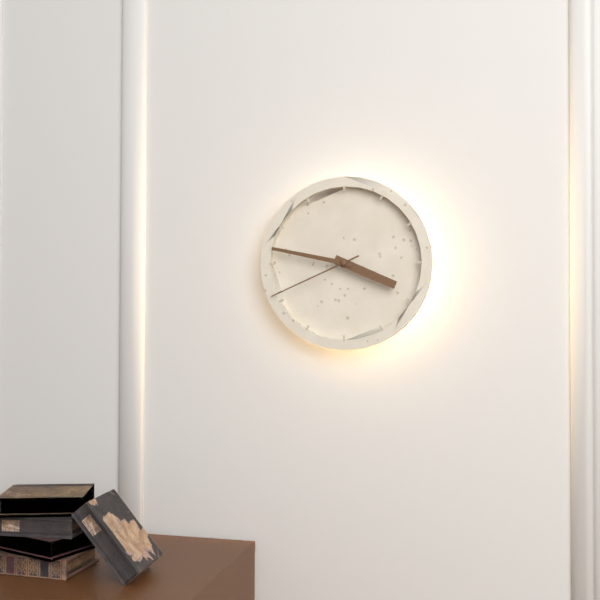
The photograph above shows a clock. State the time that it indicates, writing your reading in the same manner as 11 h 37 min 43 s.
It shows 3 h 47 min 41 s
